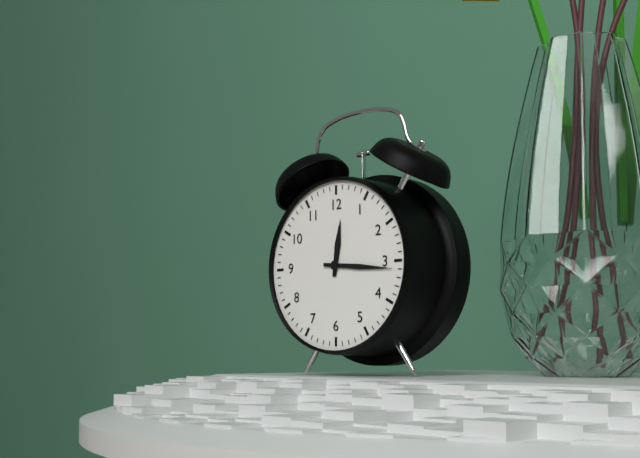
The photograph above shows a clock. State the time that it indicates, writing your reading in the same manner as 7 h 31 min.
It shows 12 h 16 min
